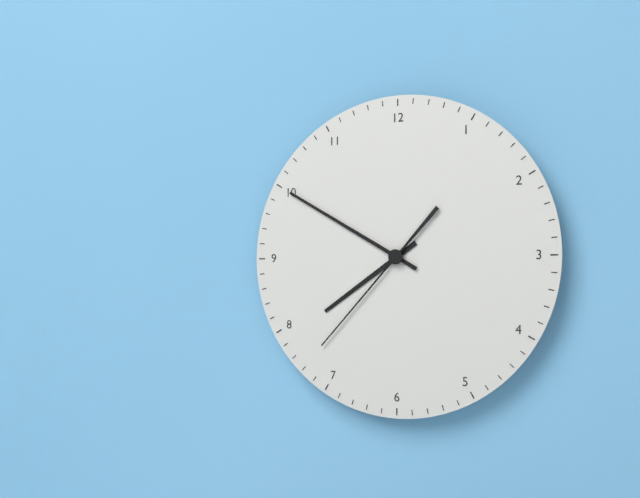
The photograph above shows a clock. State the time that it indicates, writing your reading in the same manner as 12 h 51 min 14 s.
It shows 7 h 50 min 37 s
